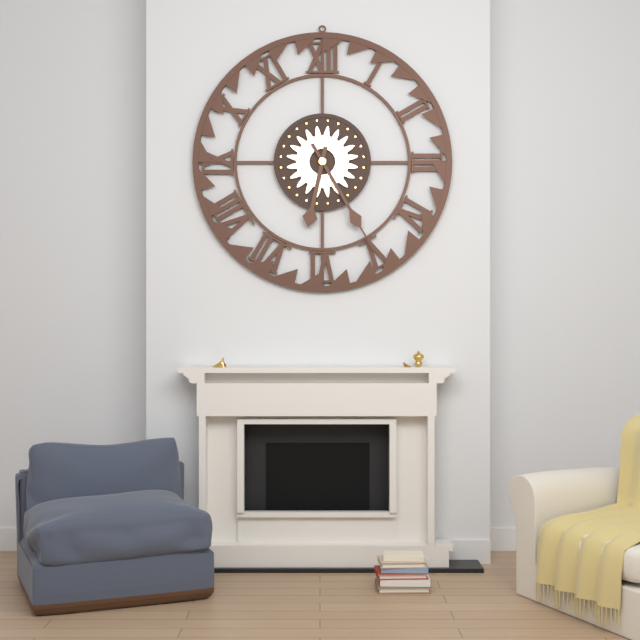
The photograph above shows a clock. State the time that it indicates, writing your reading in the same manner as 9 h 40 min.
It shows 6 h 25 min
